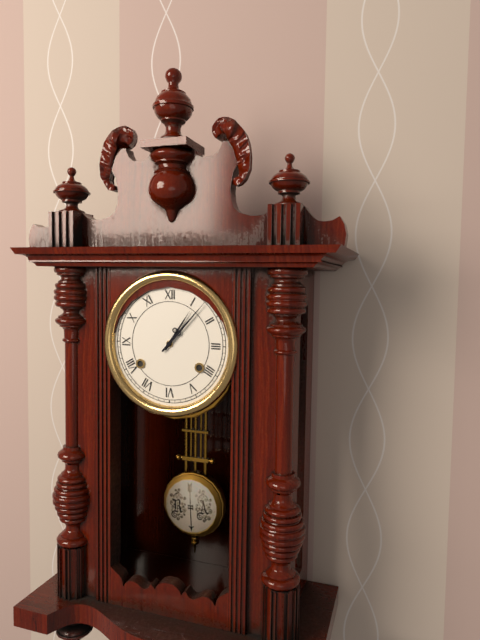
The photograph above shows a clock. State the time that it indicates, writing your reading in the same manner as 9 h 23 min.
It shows 1 h 07 min
